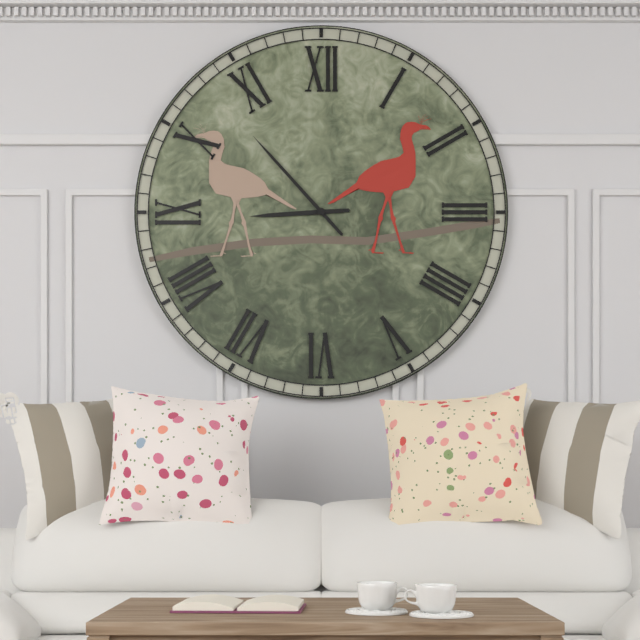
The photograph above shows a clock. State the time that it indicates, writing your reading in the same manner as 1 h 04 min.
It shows 8 h 53 min
